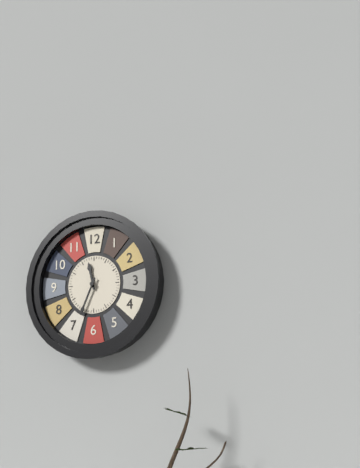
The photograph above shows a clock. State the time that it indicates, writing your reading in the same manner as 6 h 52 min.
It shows 11 h 34 min
